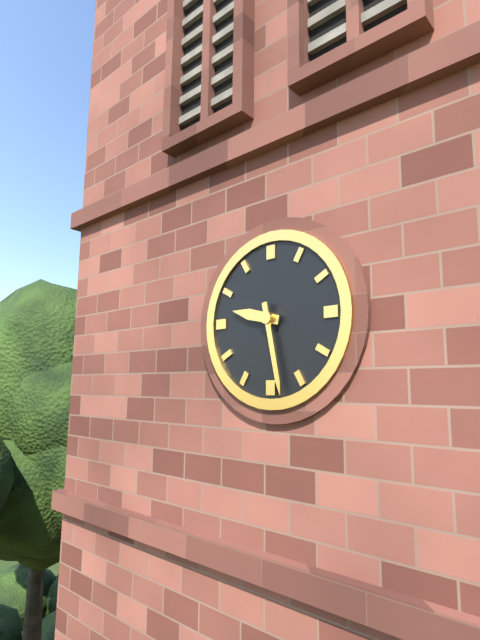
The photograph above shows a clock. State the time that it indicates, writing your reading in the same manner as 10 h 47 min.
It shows 9 h 28 min
